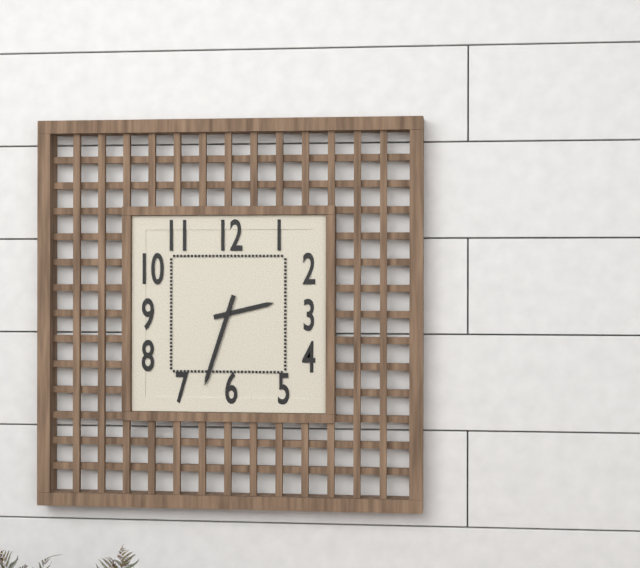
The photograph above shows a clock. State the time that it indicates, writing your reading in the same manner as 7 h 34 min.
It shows 2 h 33 min
